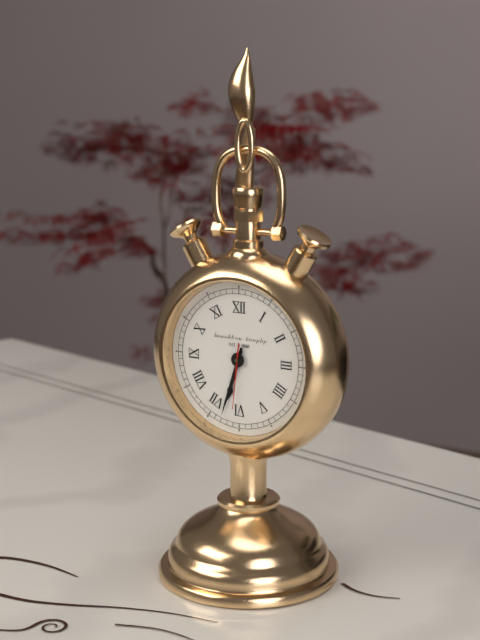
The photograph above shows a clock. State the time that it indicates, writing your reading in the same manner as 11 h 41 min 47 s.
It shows 6 h 33 min 31 s
